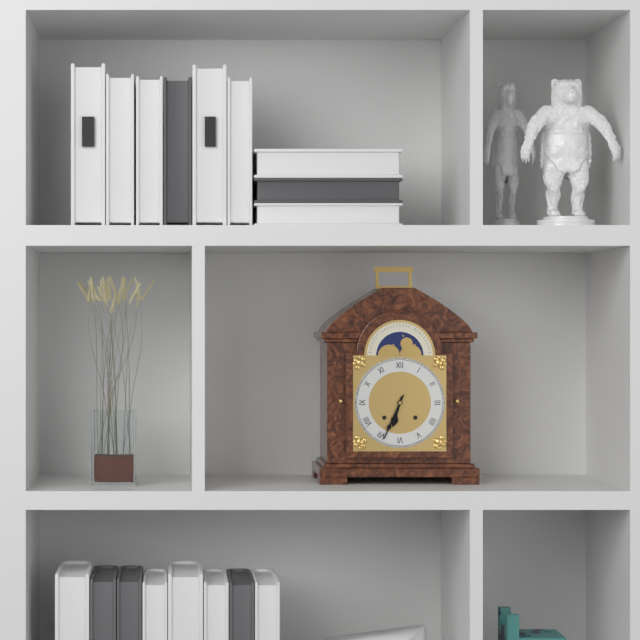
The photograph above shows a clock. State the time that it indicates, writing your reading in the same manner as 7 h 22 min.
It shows 6 h 34 min
